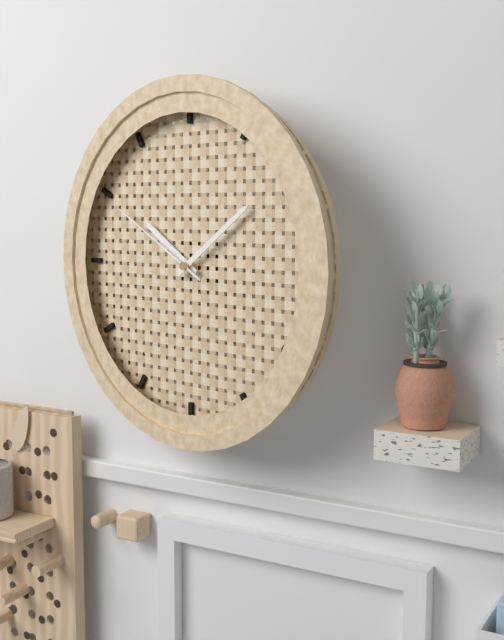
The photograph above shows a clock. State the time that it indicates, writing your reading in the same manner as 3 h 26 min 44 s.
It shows 10 h 09 min 50 s
